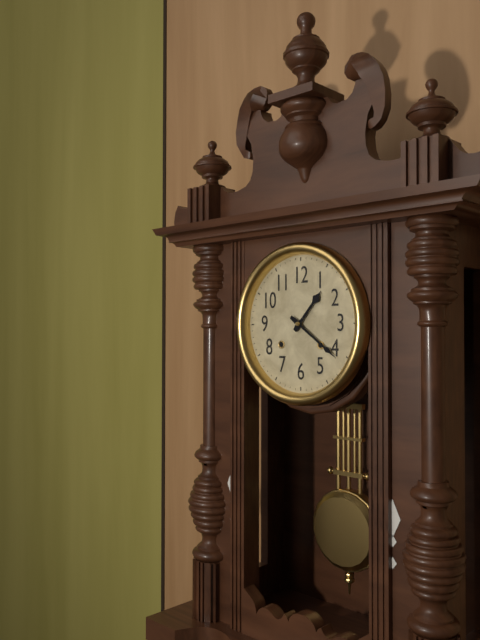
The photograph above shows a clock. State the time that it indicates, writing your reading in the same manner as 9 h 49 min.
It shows 1 h 21 min
